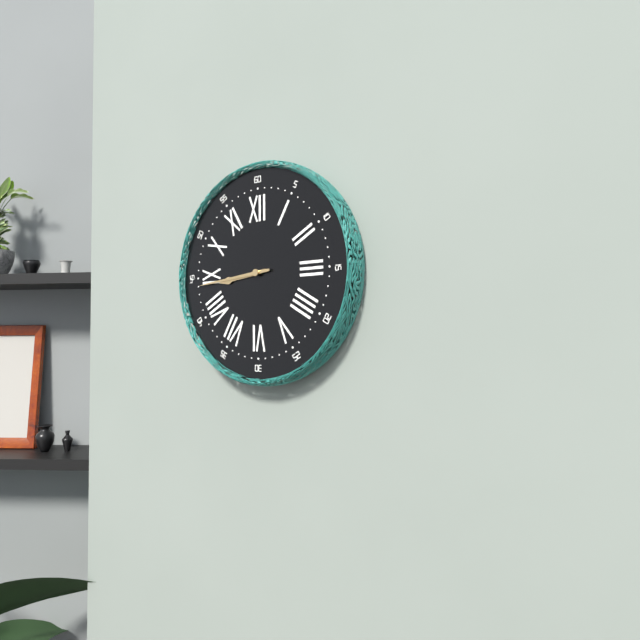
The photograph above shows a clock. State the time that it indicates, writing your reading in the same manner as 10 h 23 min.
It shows 8 h 44 min
